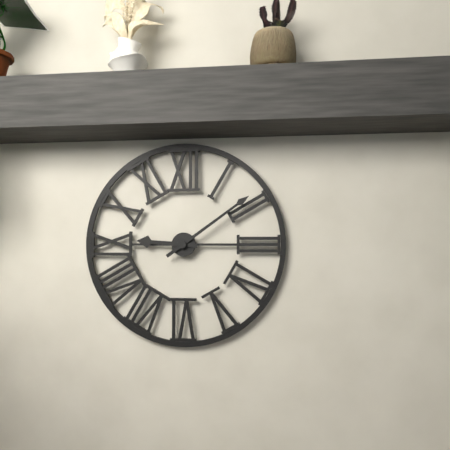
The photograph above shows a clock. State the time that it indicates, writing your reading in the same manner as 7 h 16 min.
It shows 9 h 09 min
